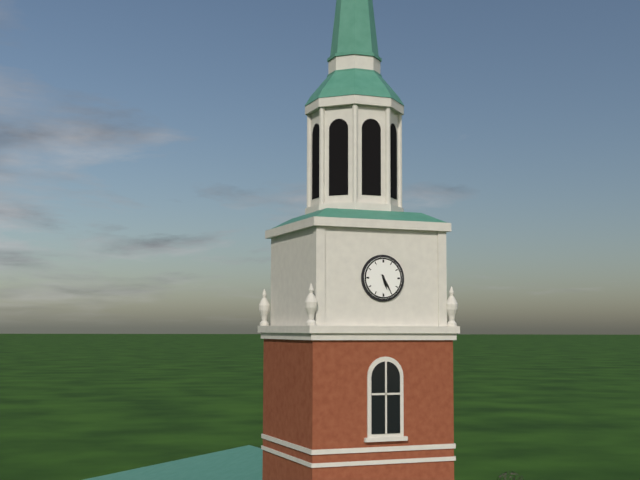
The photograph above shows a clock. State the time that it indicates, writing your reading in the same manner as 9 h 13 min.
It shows 5 h 25 min
